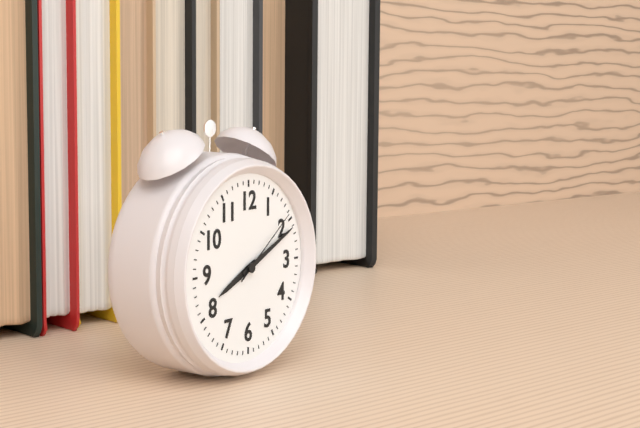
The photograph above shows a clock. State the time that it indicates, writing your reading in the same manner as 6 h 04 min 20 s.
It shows 8 h 11 min 09 s
